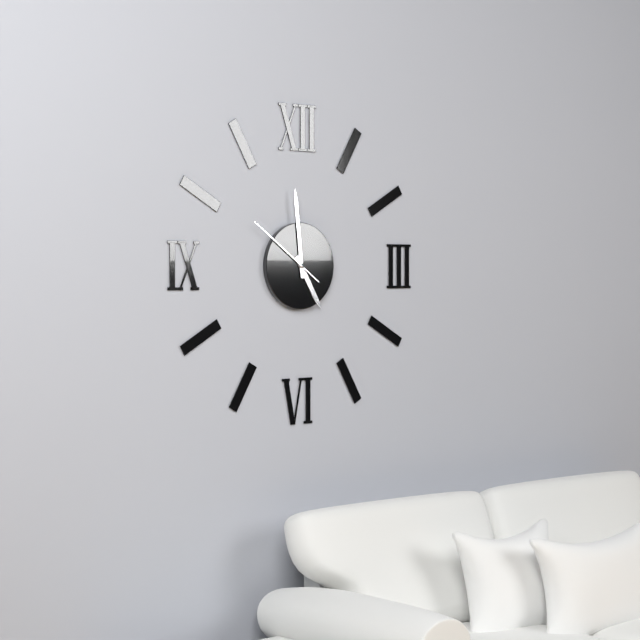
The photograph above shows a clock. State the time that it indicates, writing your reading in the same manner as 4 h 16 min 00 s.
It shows 4 h 59 min 51 s
